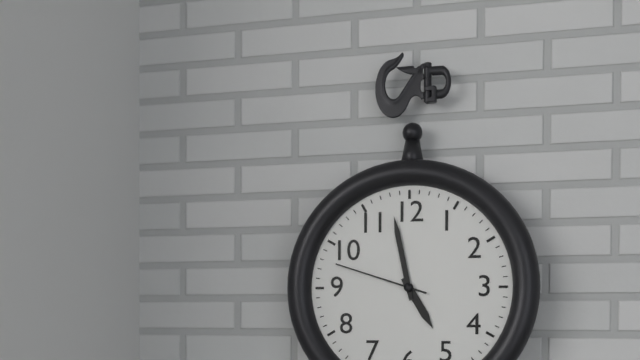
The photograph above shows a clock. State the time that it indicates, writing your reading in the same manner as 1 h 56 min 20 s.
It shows 4 h 58 min 48 s
